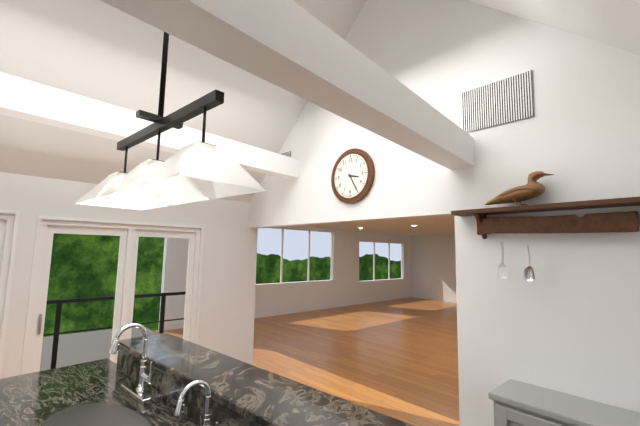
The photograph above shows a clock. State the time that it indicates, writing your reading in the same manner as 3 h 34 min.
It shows 3 h 25 min
